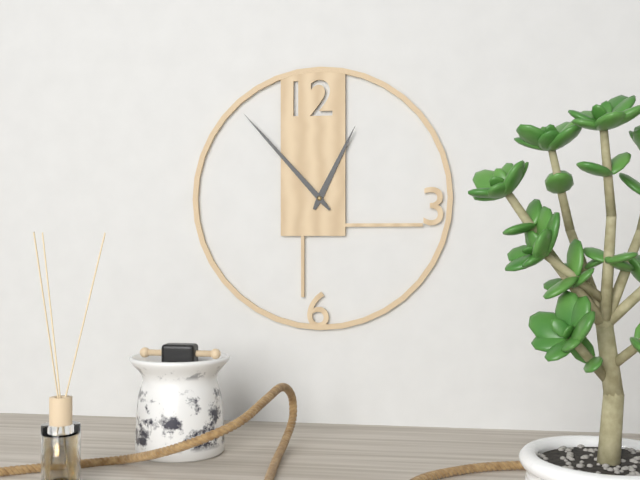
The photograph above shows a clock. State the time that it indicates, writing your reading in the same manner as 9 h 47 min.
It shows 12 h 53 min
